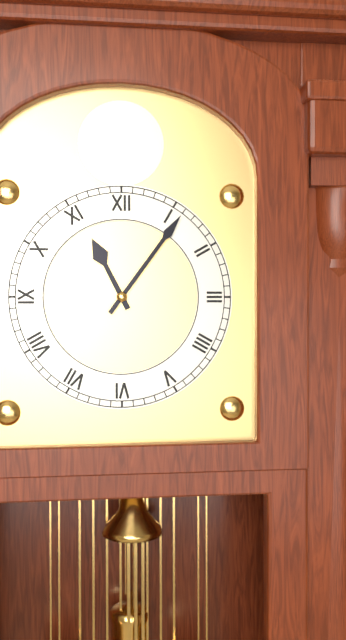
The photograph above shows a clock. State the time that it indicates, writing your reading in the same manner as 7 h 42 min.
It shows 11 h 06 min
